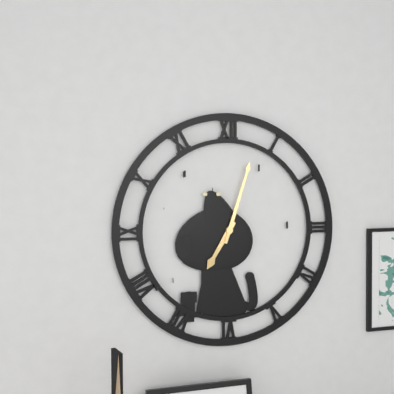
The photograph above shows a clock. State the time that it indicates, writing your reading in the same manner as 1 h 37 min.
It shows 7 h 03 min
